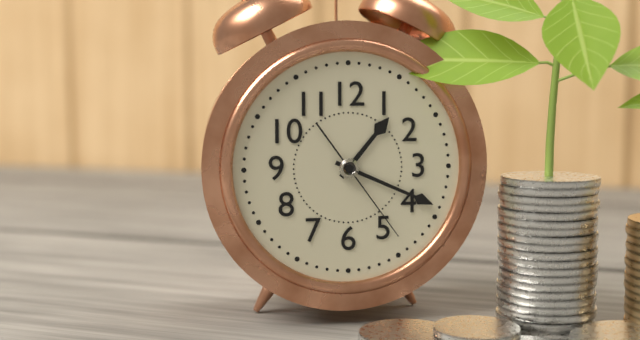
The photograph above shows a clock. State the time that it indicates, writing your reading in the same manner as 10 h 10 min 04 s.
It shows 1 h 19 min 24 s
